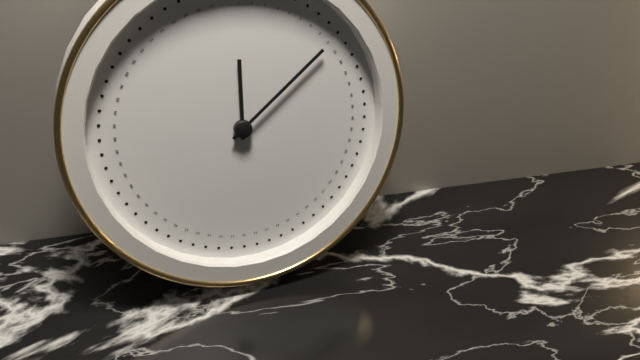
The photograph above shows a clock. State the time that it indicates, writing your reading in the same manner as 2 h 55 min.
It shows 12 h 09 min
